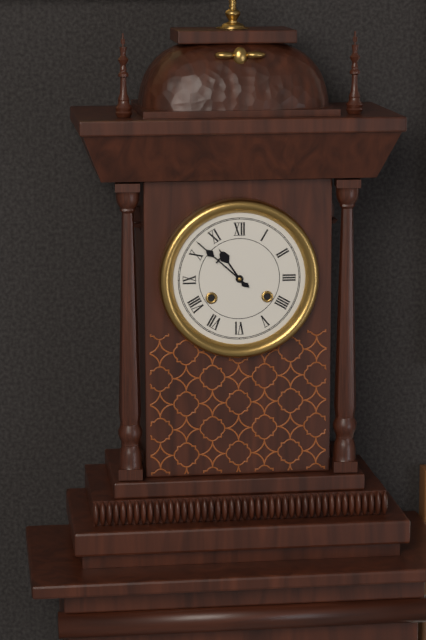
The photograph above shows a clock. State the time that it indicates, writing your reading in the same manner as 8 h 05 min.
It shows 10 h 52 min
